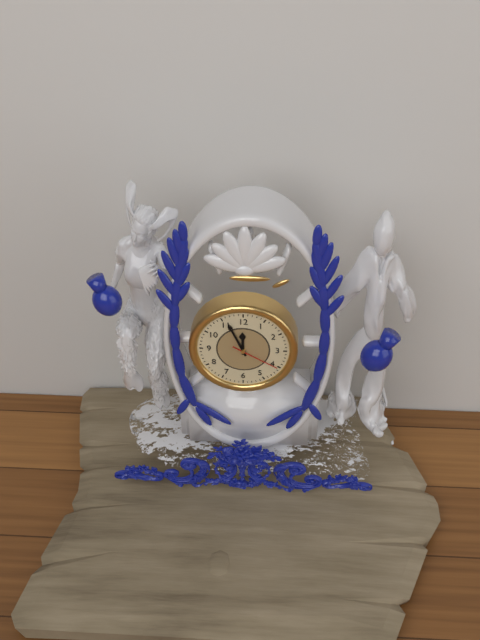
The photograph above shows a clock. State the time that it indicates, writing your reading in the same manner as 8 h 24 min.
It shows 11 h 56 min
